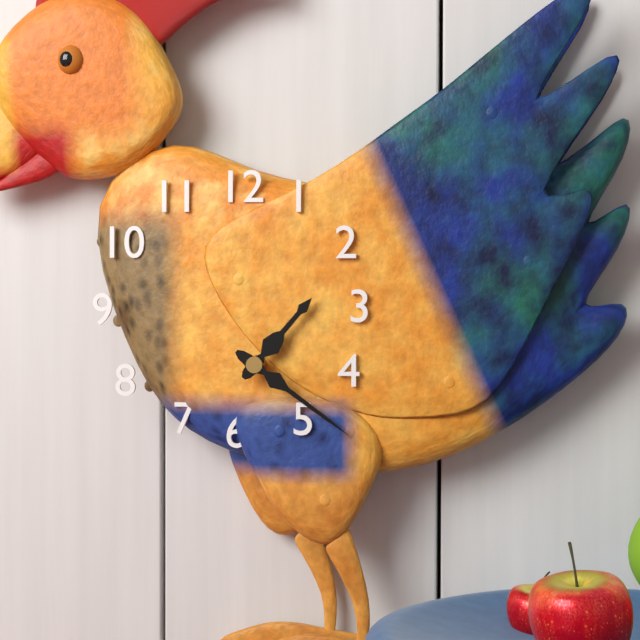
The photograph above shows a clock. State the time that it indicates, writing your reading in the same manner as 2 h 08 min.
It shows 1 h 21 min
